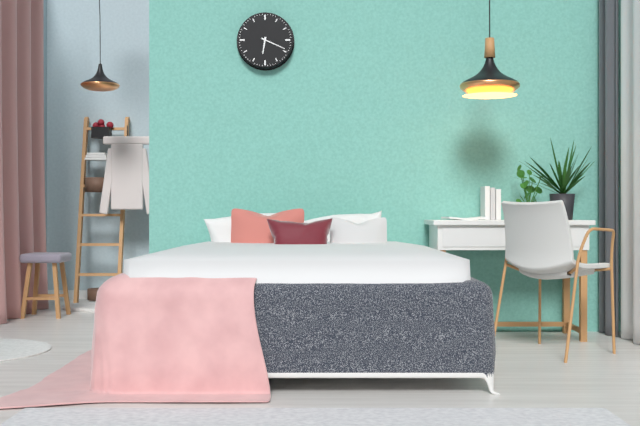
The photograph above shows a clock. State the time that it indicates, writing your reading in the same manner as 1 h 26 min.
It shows 6 h 19 min
